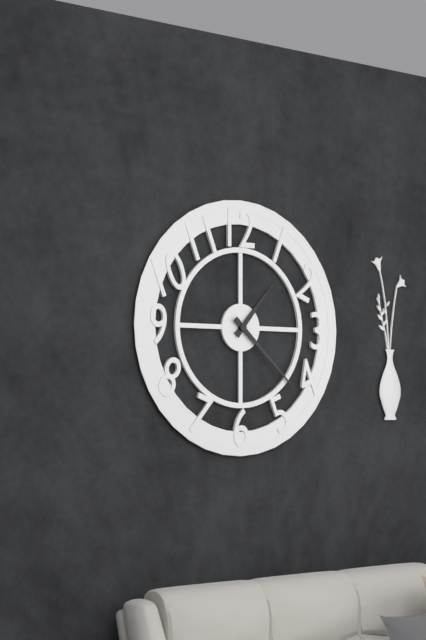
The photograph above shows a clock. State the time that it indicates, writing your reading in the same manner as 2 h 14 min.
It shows 1 h 22 min
